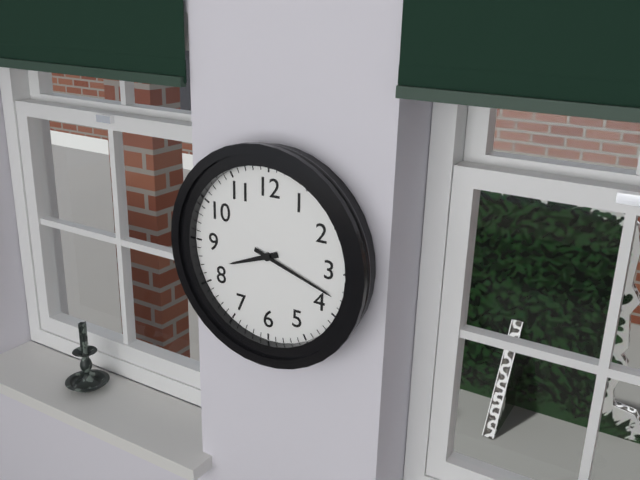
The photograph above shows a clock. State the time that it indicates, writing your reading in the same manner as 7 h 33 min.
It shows 8 h 18 min
